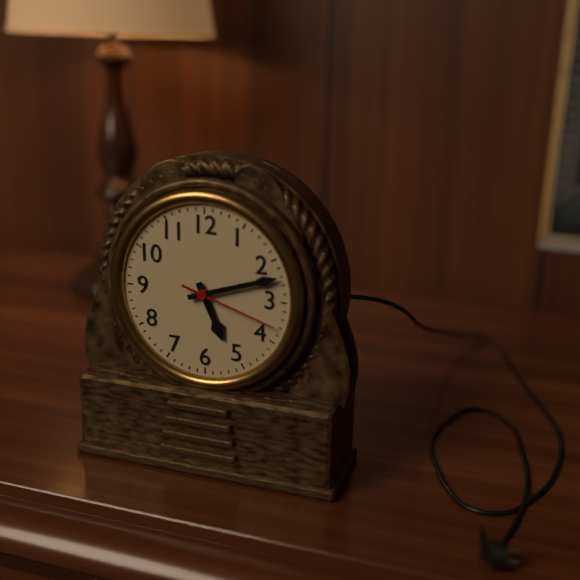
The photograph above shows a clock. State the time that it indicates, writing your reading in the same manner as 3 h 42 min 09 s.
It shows 5 h 12 min 18 s
